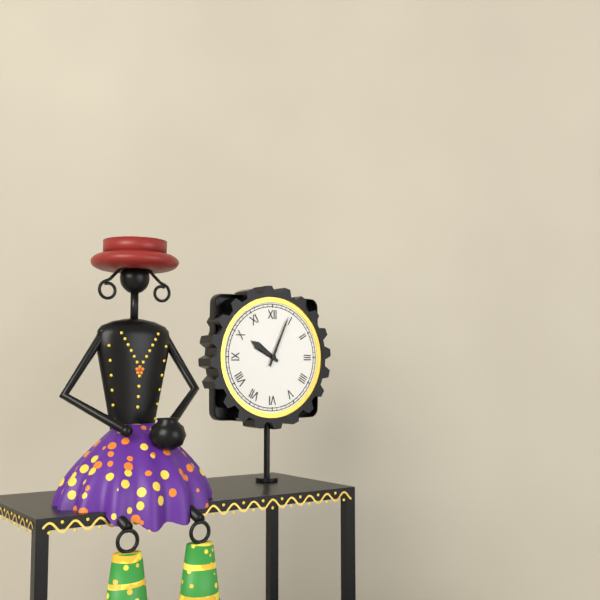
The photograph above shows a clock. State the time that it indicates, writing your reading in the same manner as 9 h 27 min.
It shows 10 h 04 min
